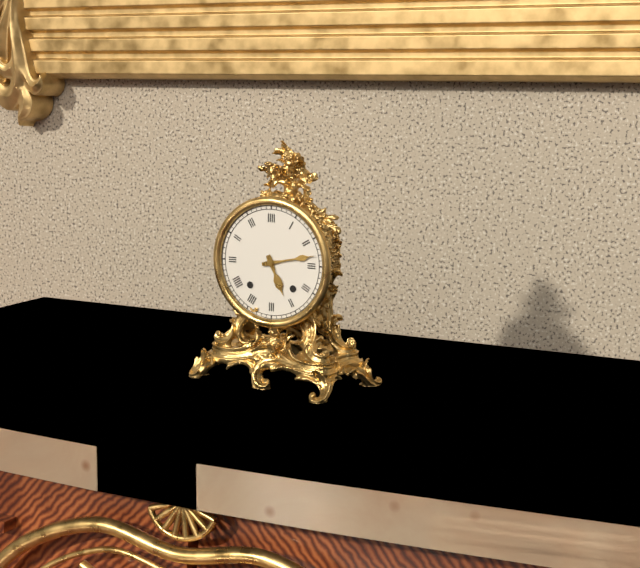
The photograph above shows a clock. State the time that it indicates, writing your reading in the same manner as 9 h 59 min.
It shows 5 h 13 min
